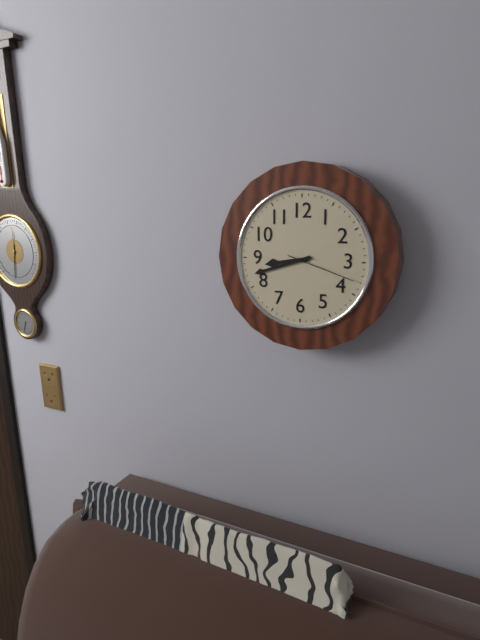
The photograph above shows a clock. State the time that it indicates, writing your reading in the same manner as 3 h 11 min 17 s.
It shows 8 h 42 min 18 s
